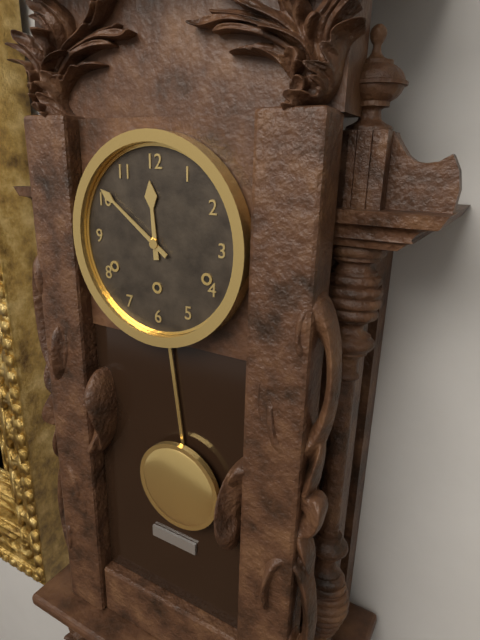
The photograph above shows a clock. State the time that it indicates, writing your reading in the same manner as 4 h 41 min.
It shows 11 h 51 min
